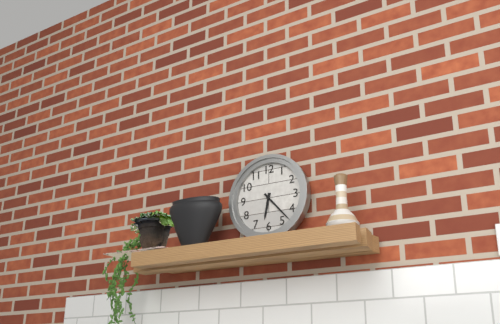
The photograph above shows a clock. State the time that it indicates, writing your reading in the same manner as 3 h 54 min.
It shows 6 h 23 min
